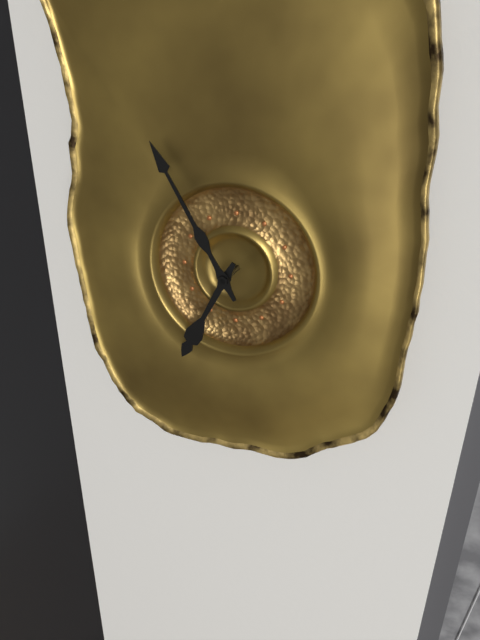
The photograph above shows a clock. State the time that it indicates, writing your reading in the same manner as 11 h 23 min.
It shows 6 h 55 min
